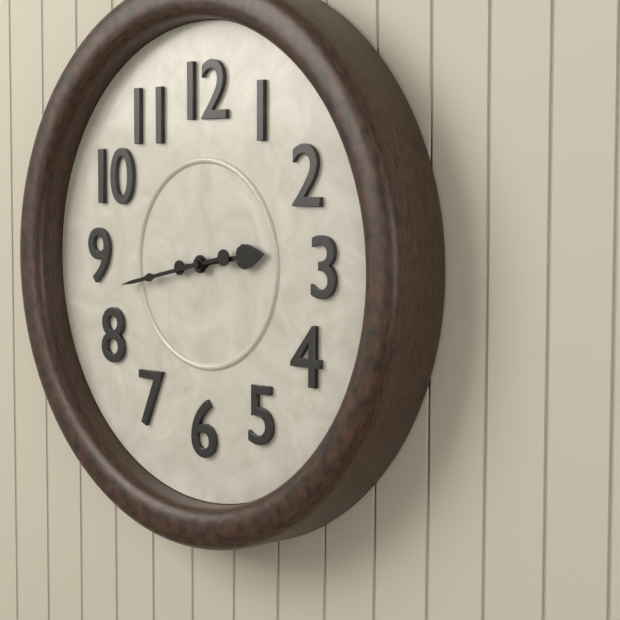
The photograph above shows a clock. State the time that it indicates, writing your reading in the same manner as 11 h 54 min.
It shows 2 h 43 min
